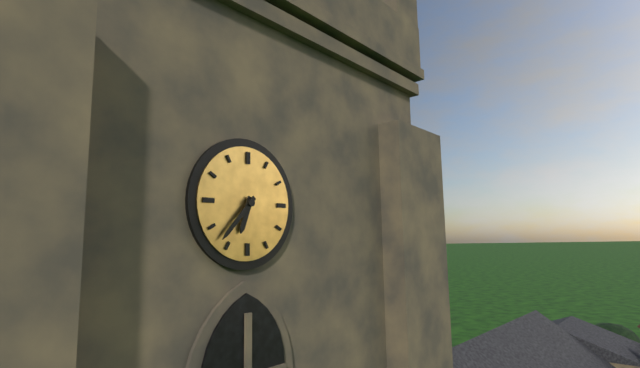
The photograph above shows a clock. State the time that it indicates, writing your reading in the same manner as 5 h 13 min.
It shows 6 h 37 min
